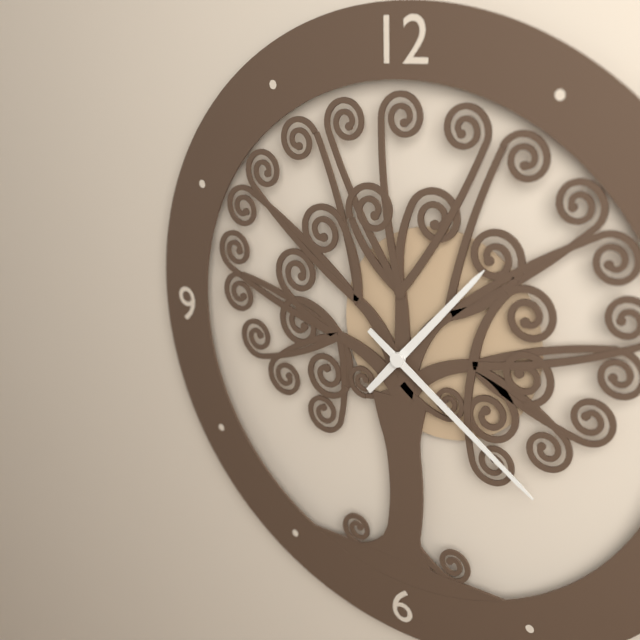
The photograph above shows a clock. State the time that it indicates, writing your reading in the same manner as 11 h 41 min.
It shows 1 h 21 min
